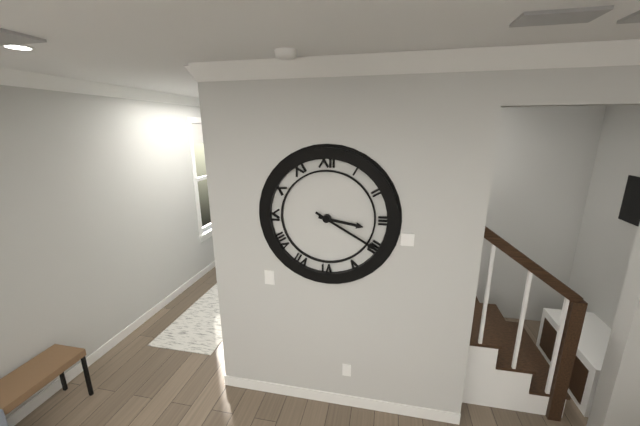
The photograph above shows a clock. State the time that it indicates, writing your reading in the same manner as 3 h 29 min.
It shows 3 h 20 min
